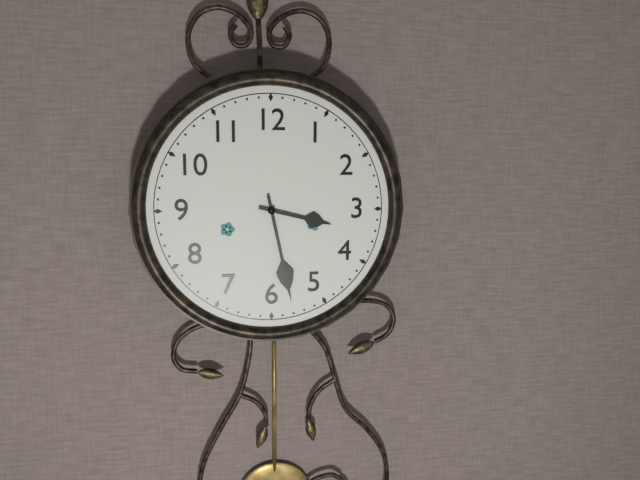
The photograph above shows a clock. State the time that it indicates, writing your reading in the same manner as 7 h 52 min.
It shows 3 h 28 min
